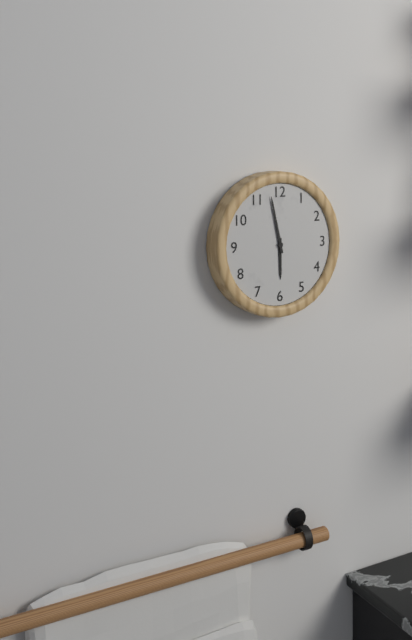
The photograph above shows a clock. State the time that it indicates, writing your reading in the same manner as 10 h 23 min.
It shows 5 h 58 min
